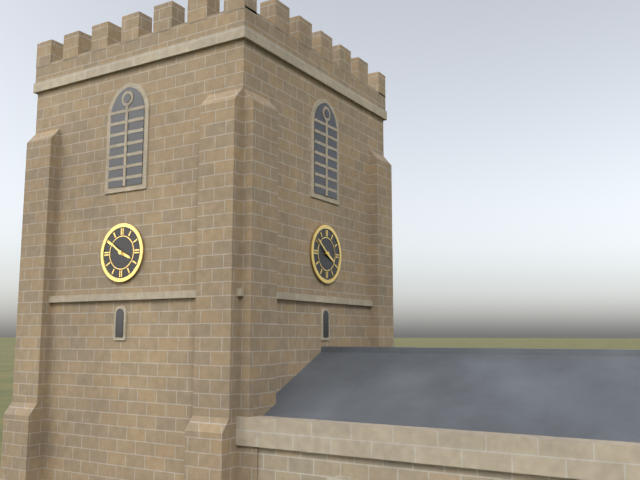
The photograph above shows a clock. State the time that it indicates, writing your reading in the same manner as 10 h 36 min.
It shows 3 h 51 min
